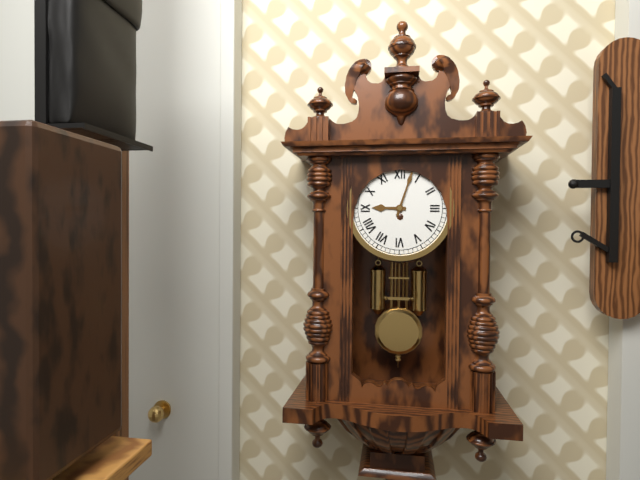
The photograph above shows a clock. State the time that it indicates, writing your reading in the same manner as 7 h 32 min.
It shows 9 h 03 min
